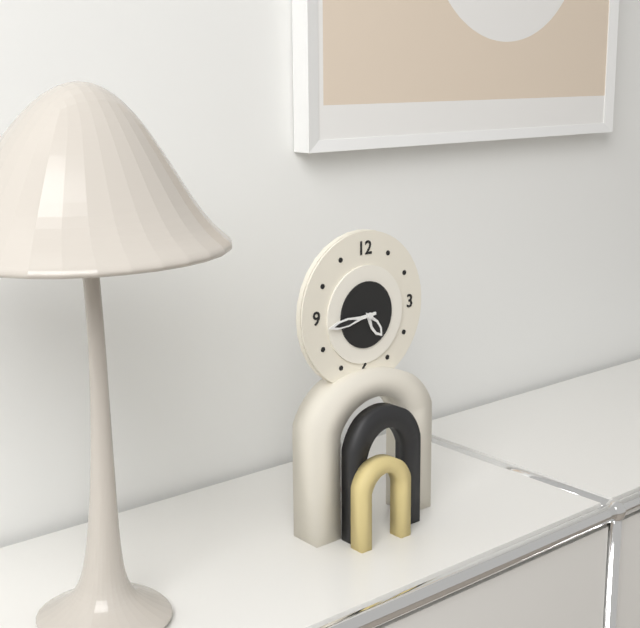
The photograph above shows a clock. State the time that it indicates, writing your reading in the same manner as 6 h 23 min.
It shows 4 h 44 min
